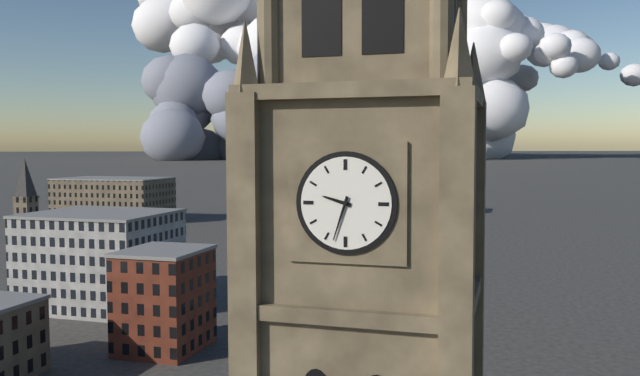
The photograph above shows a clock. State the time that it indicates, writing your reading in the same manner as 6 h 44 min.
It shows 9 h 33 min
